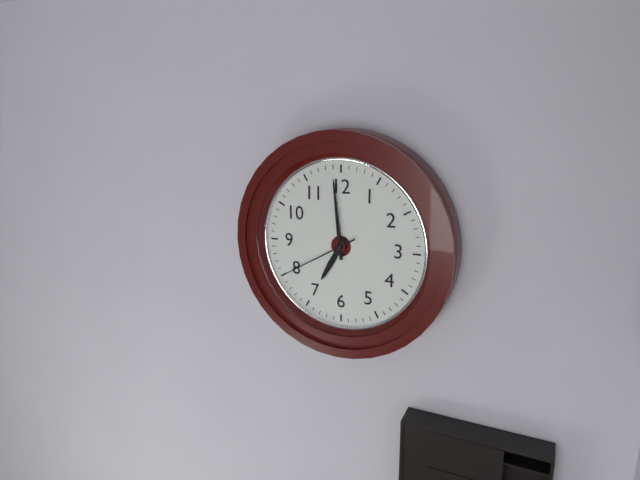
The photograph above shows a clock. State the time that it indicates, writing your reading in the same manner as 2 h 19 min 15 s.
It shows 6 h 59 min 40 s
